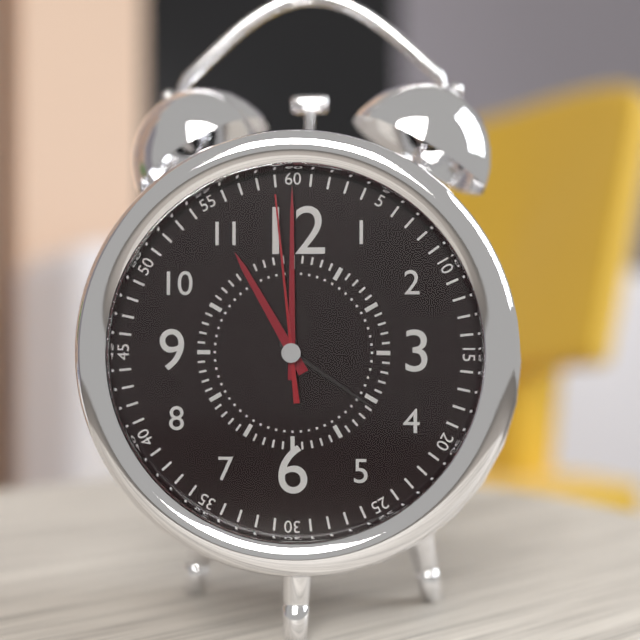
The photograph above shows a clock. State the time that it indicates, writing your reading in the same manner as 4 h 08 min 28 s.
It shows 11 h 00 min 59 s
